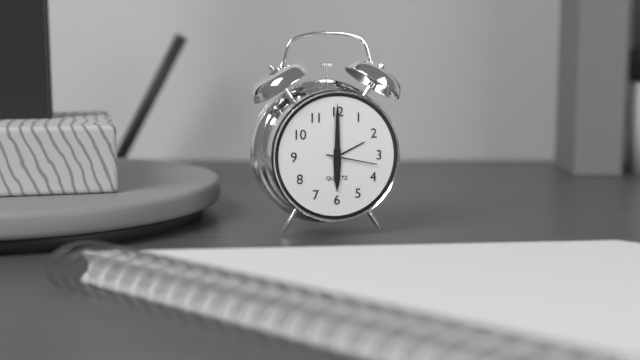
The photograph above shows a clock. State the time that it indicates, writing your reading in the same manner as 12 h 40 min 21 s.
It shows 6 h 00 min 17 s
